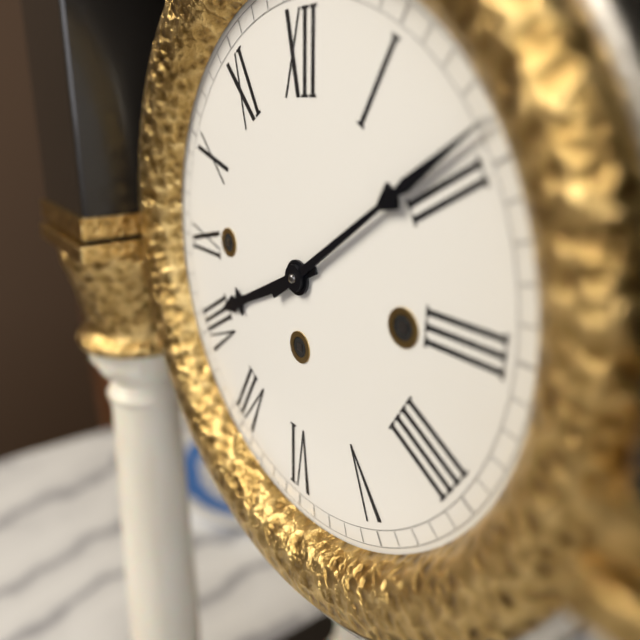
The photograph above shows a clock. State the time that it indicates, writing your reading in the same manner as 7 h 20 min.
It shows 8 h 09 min
